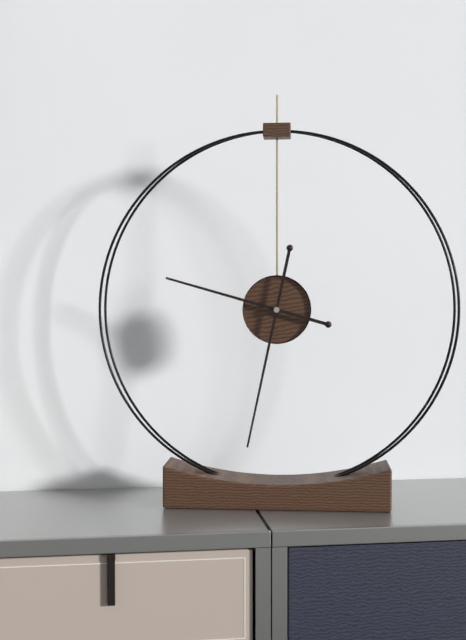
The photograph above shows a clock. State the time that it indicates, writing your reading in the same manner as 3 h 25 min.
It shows 9 h 32 min
